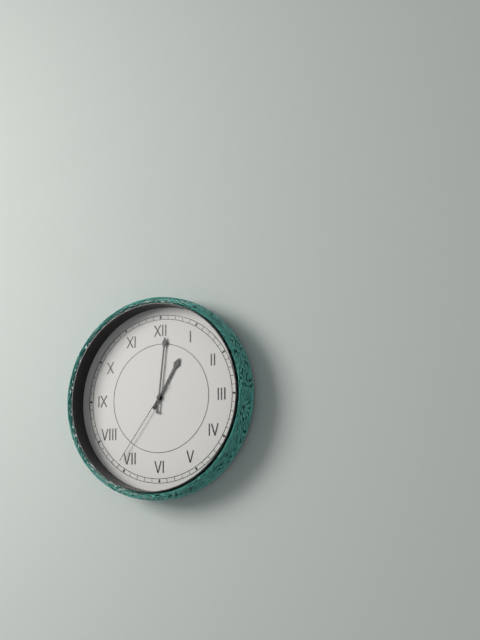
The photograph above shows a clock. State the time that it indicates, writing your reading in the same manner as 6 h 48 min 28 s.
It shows 1 h 01 min 36 s
